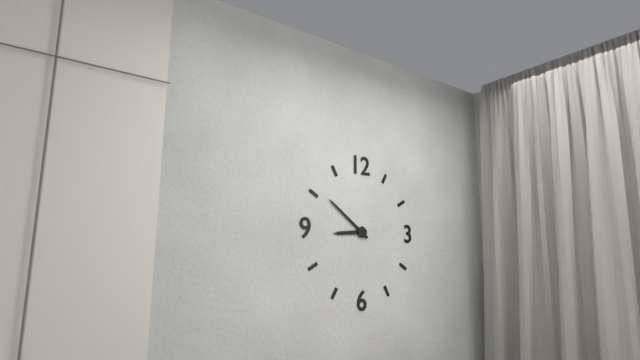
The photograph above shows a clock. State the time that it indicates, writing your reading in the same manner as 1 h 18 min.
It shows 8 h 51 min
